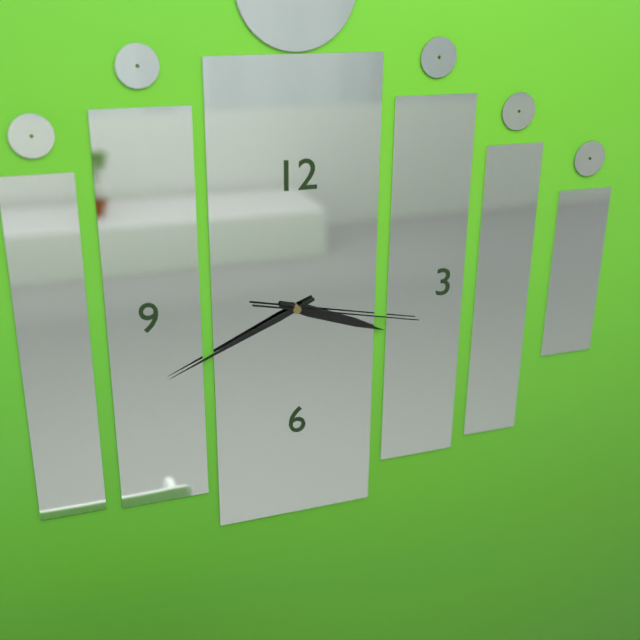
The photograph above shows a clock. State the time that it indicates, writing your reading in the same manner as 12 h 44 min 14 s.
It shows 3 h 41 min 17 s
